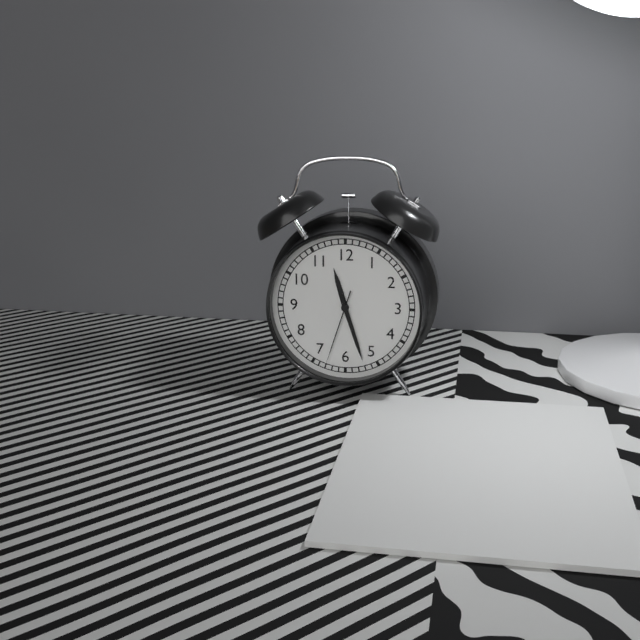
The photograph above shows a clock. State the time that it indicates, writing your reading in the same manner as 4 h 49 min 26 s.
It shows 11 h 27 min 33 s
